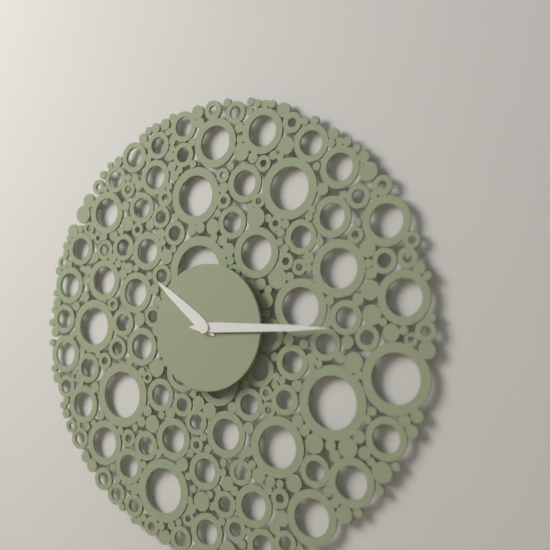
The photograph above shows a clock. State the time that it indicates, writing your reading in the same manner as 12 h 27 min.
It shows 10 h 15 min
